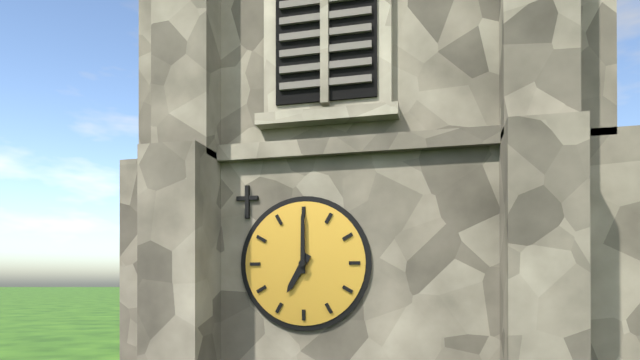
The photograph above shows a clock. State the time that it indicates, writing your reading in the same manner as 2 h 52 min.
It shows 7 h 00 min
